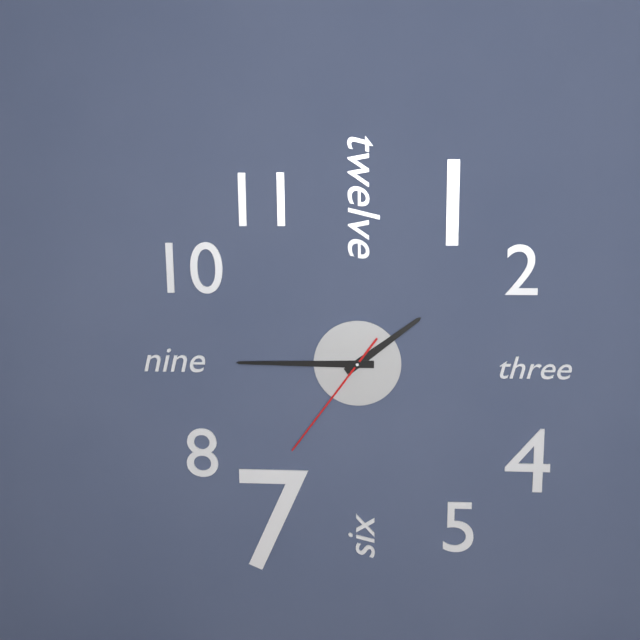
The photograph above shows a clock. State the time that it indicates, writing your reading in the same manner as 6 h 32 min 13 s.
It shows 1 h 45 min 36 s
